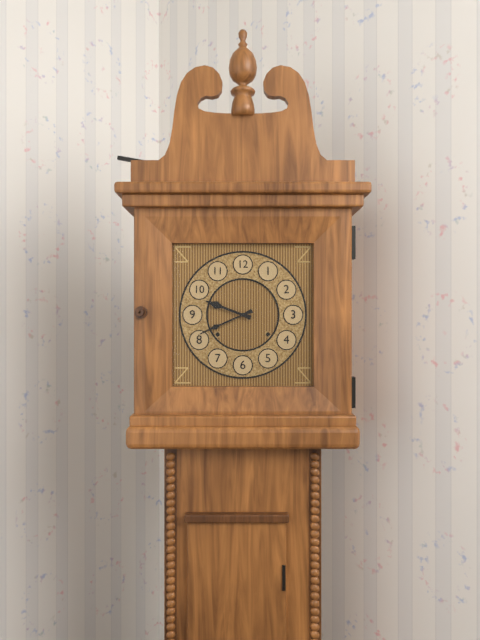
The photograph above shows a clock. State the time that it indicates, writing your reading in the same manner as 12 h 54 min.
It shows 9 h 41 min
